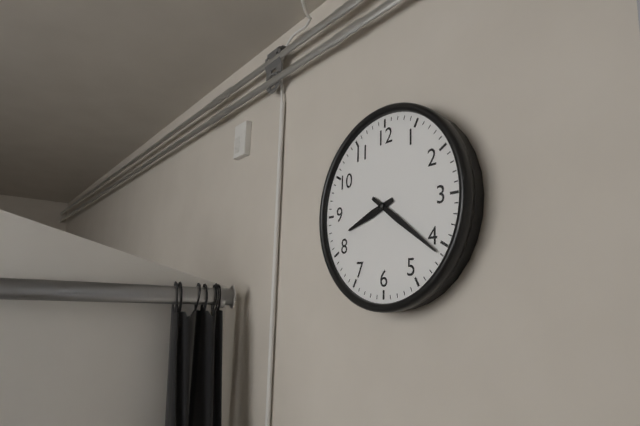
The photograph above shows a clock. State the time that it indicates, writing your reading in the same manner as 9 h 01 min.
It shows 8 h 21 min
